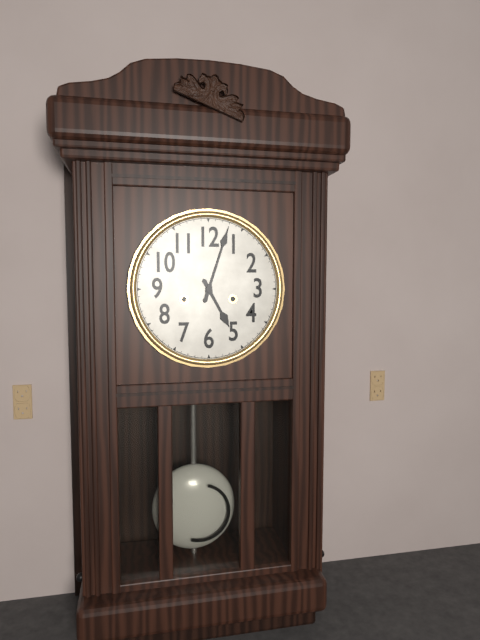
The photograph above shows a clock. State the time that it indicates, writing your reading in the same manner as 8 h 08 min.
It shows 5 h 03 min
